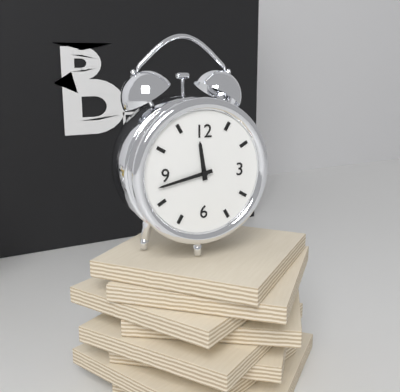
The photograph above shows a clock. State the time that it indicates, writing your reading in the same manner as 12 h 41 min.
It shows 11 h 43 min
